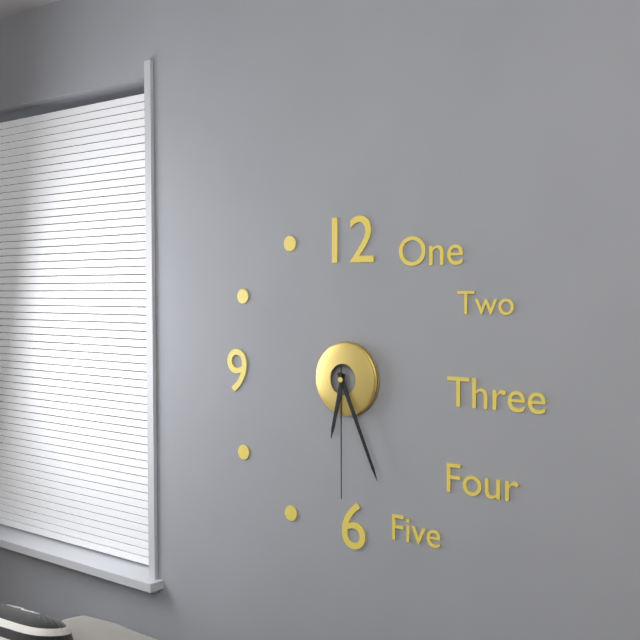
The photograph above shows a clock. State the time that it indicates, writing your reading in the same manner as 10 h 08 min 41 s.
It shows 6 h 26 min 30 s
